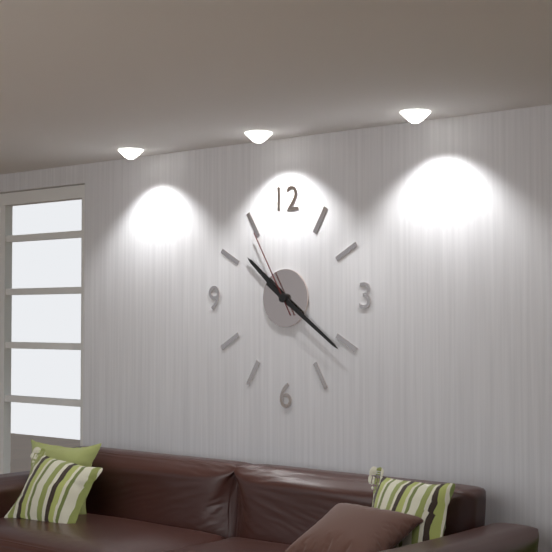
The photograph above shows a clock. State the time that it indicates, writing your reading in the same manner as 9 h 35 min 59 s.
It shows 10 h 21 min 55 s
